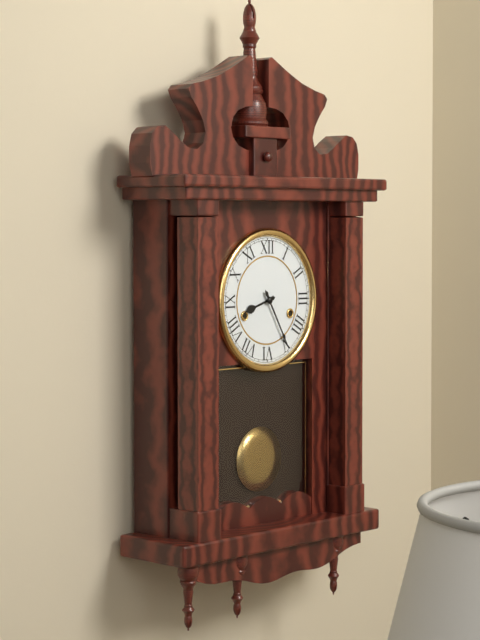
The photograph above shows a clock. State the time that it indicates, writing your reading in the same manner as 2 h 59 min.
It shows 8 h 25 min
